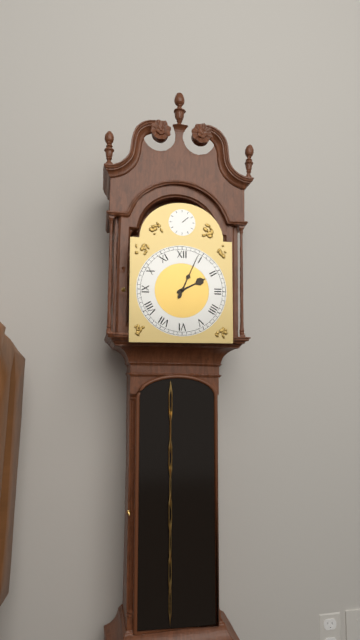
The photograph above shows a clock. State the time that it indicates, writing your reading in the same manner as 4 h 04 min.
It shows 2 h 04 min
